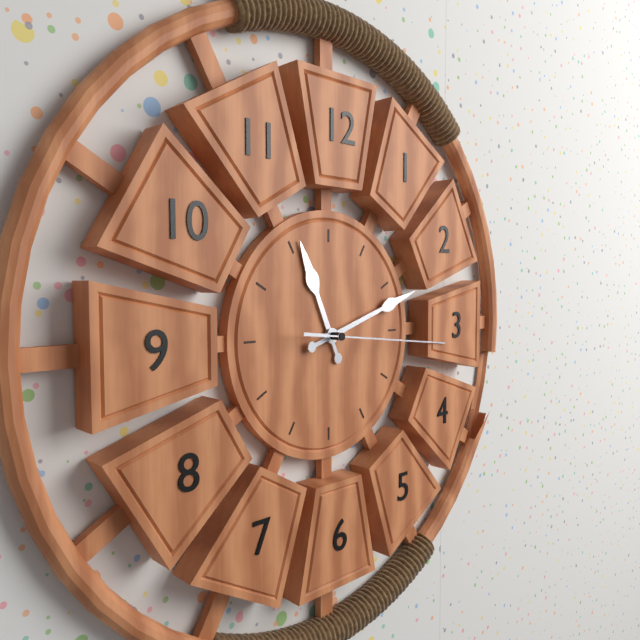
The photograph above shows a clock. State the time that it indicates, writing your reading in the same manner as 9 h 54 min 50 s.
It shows 11 h 12 min 16 s
